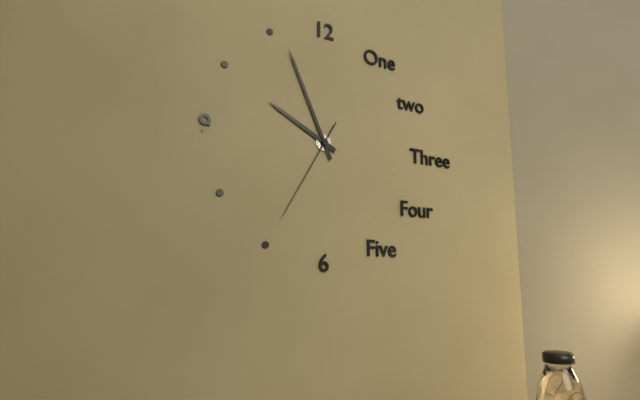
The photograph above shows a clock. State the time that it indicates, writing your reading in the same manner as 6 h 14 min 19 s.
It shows 9 h 56 min 35 s
